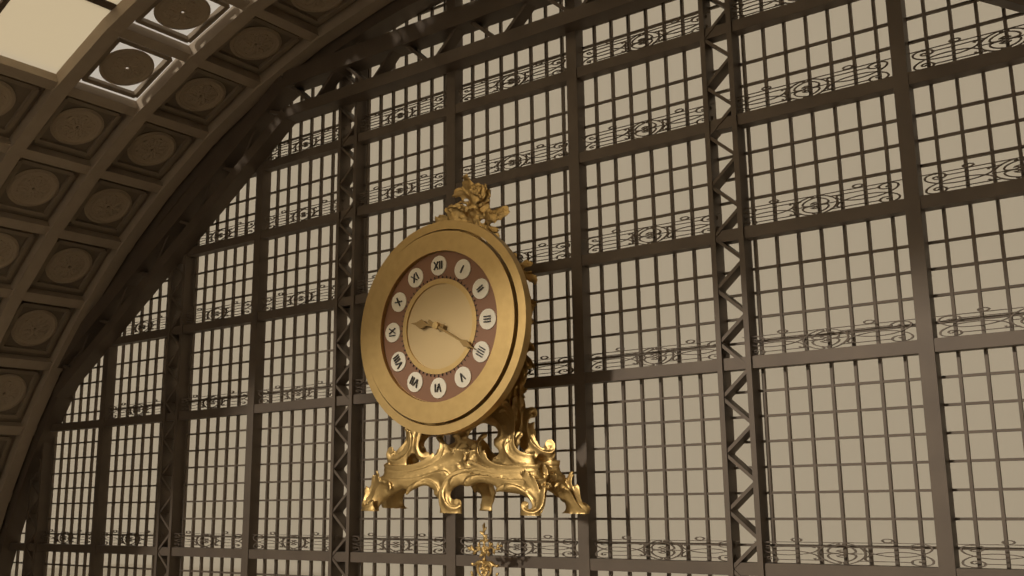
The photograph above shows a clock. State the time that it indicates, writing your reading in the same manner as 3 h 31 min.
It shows 9 h 20 min
